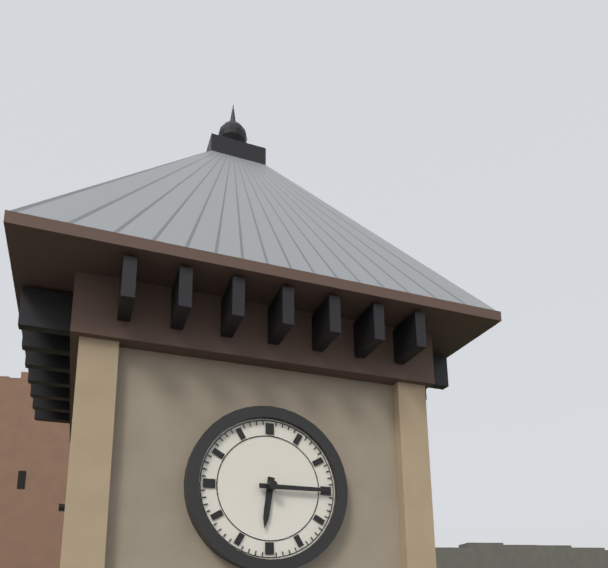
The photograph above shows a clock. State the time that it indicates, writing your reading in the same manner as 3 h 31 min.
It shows 6 h 15 min
